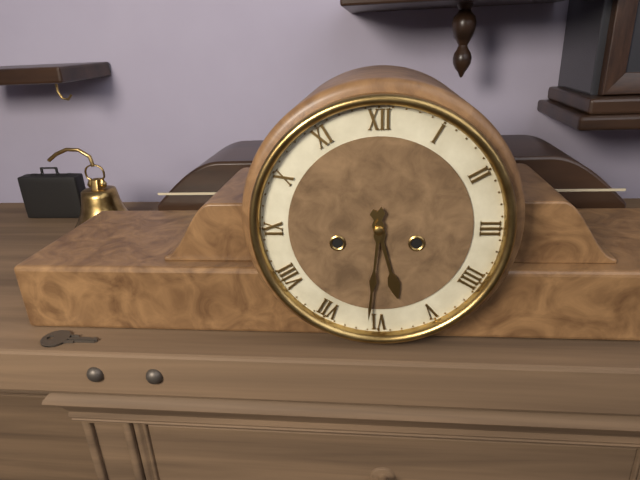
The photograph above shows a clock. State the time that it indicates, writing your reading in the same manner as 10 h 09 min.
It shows 5 h 31 min
